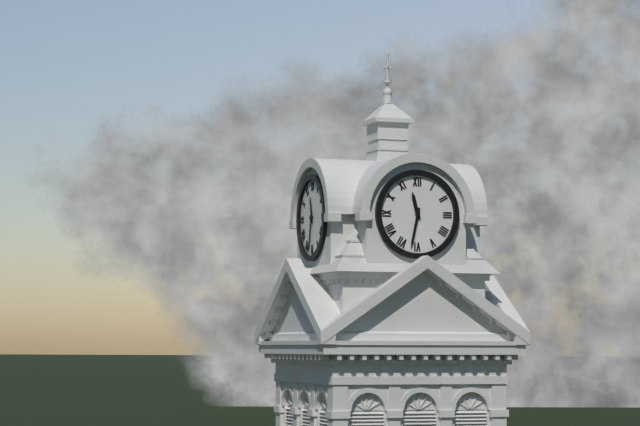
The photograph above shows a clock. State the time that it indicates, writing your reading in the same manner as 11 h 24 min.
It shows 11 h 32 min
